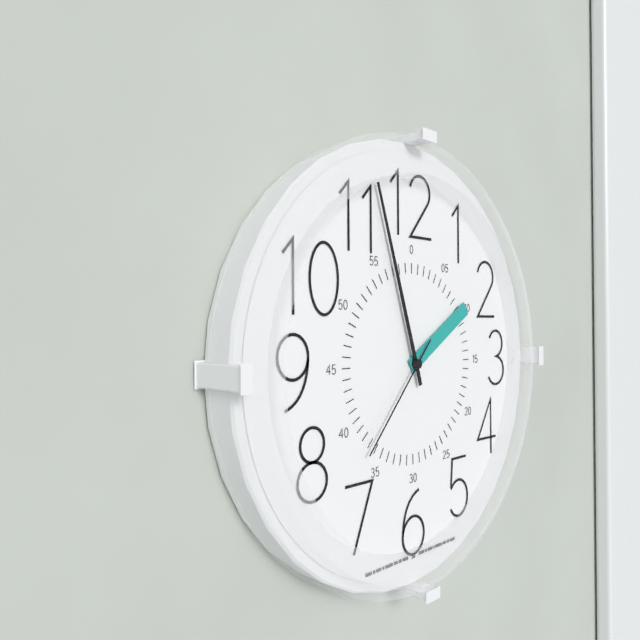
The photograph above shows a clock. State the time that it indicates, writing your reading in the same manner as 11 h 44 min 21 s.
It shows 1 h 57 min 37 s
